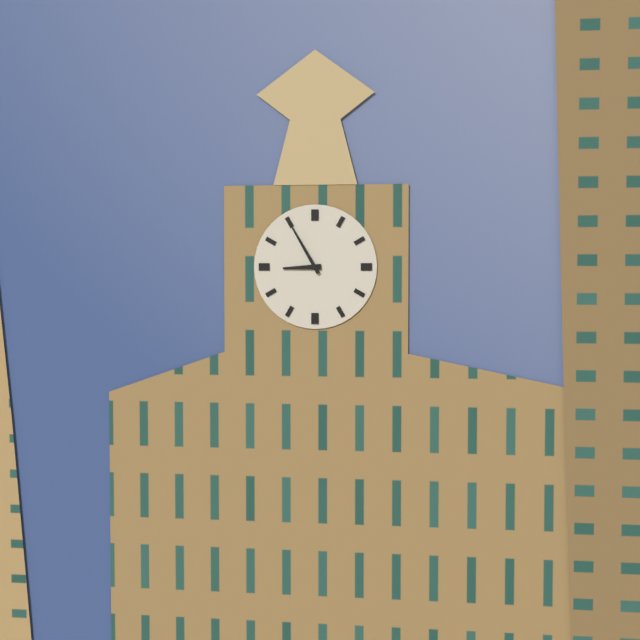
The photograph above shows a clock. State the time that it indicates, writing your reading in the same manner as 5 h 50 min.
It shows 8 h 55 min
